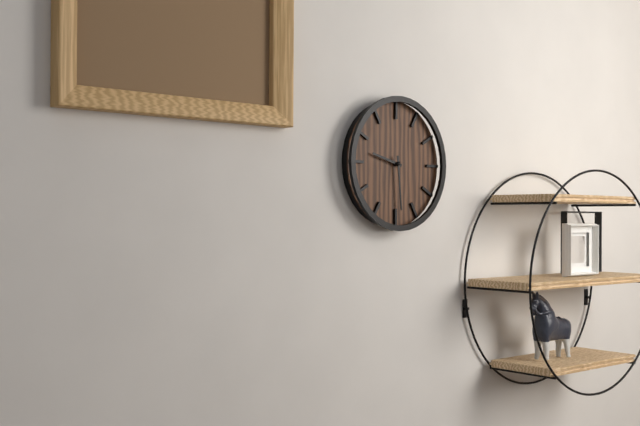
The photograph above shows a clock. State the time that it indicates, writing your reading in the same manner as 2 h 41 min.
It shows 9 h 29 min
